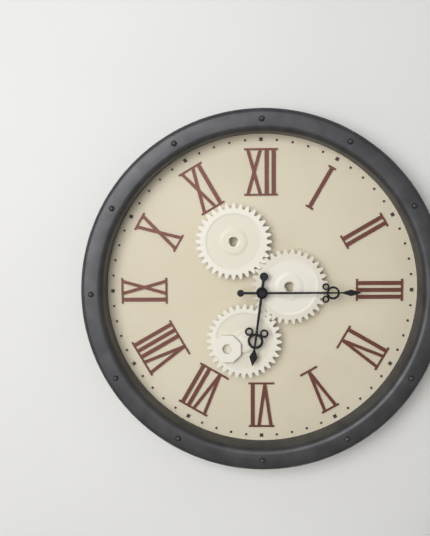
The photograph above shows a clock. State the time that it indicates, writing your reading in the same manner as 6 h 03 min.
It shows 6 h 15 min
